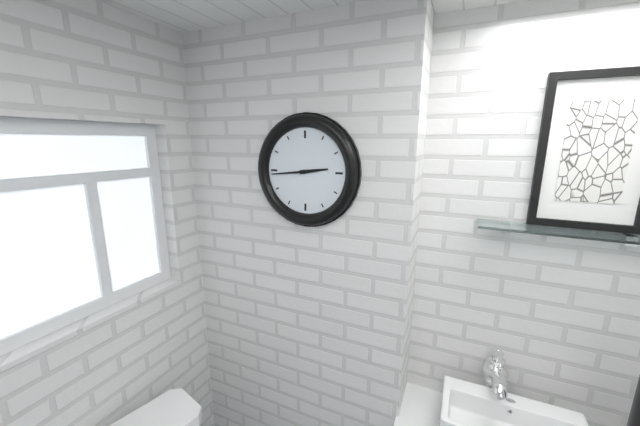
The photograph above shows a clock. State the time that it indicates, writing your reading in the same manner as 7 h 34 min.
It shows 2 h 44 min
